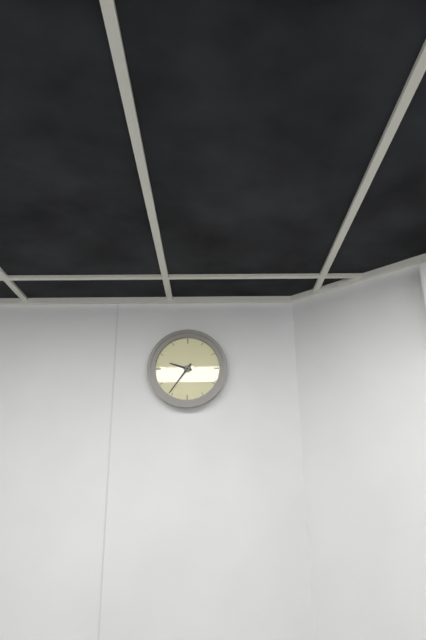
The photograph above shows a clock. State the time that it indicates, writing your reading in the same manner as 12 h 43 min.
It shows 9 h 36 min
